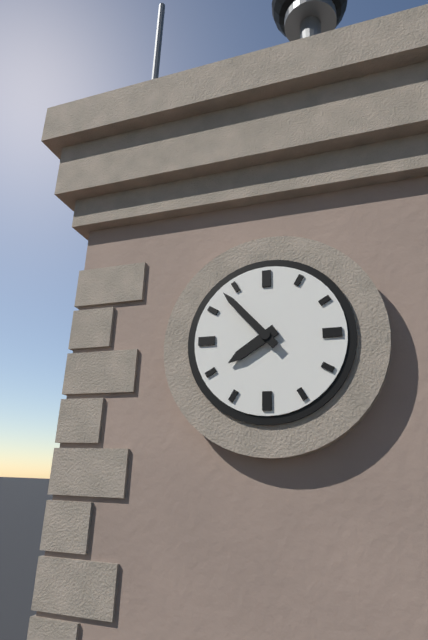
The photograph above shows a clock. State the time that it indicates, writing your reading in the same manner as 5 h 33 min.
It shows 7 h 53 min
